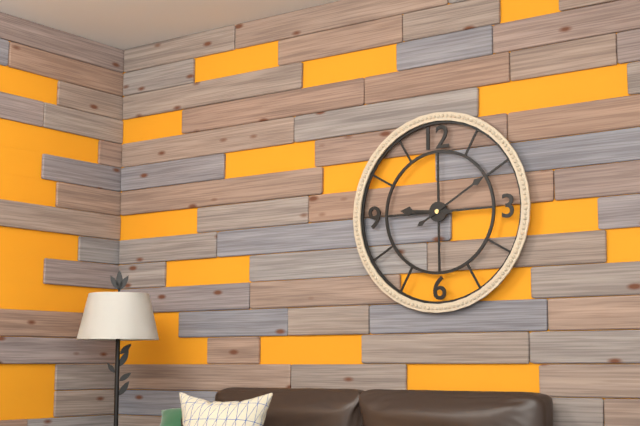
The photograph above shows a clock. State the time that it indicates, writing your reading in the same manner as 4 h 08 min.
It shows 9 h 10 min
